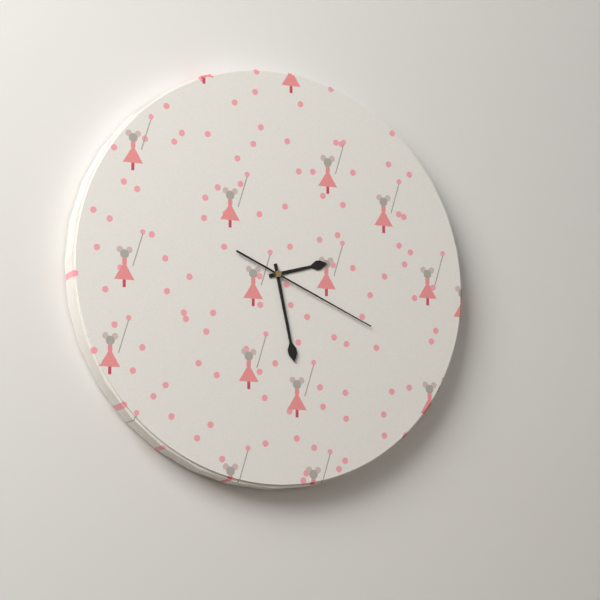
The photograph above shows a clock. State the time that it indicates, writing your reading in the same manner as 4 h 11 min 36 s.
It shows 2 h 28 min 19 s
